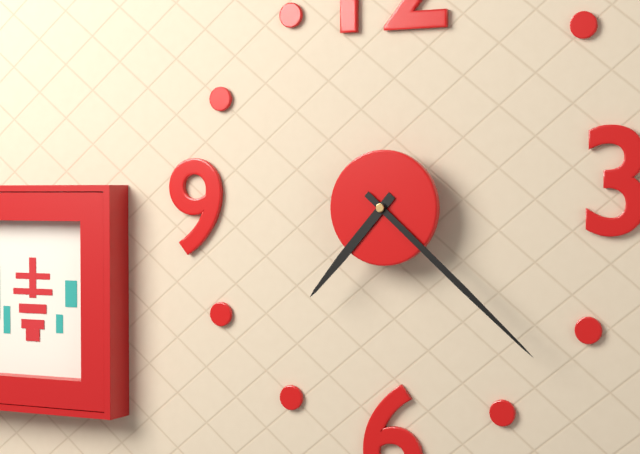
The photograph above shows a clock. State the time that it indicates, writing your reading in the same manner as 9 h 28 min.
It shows 7 h 22 min
